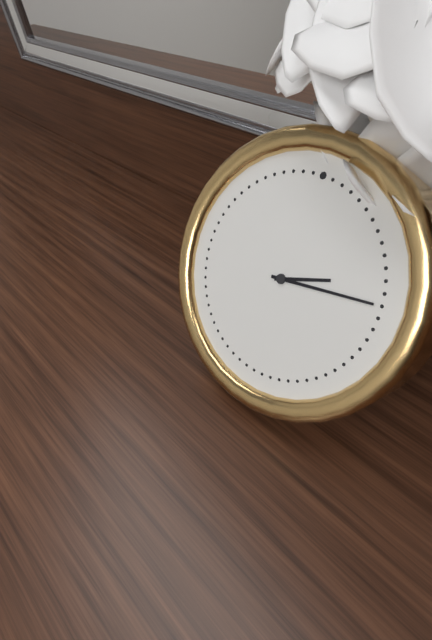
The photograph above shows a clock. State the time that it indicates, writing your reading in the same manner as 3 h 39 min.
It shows 2 h 13 min
